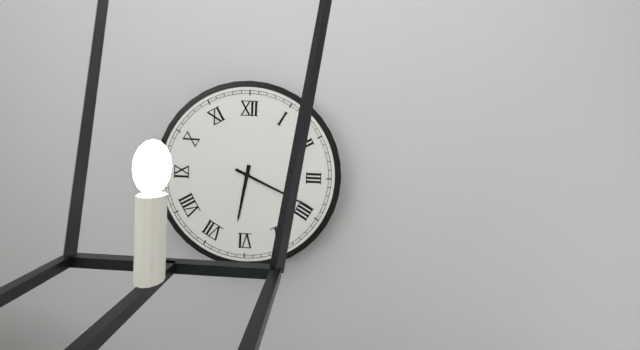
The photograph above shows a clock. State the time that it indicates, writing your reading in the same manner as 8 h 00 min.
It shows 6 h 19 min
